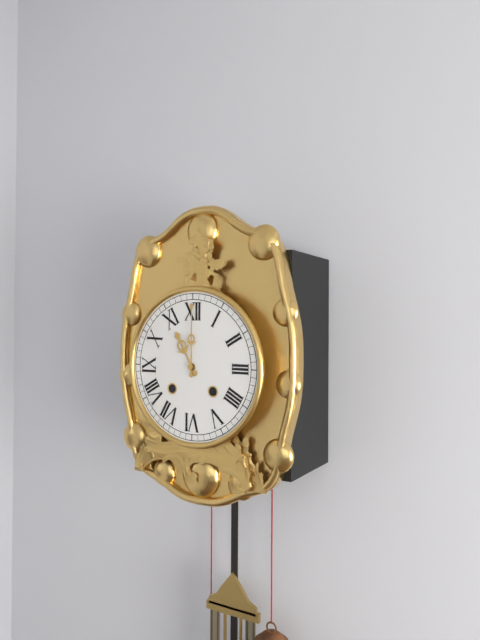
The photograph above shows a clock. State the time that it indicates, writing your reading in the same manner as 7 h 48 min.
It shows 11 h 00 min
